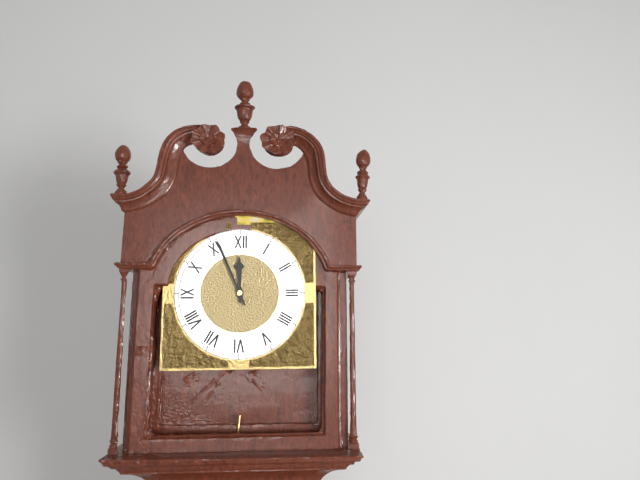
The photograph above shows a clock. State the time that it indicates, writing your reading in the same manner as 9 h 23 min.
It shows 11 h 56 min
